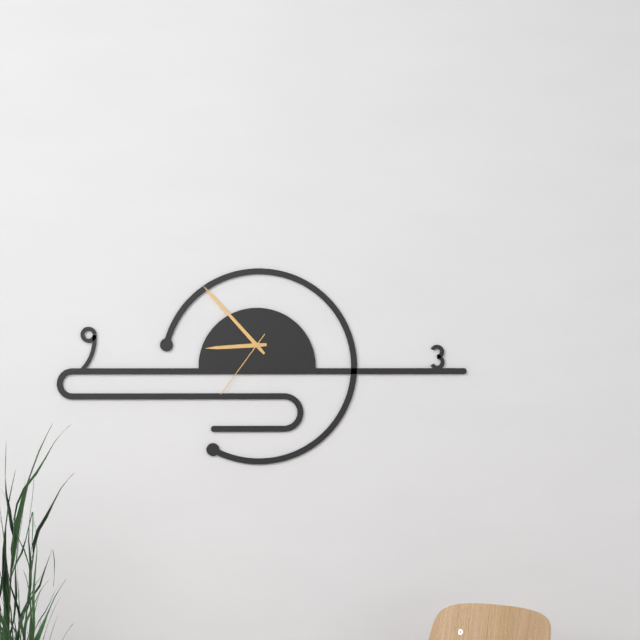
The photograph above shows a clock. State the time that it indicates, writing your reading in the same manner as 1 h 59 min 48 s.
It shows 8 h 53 min 36 s
